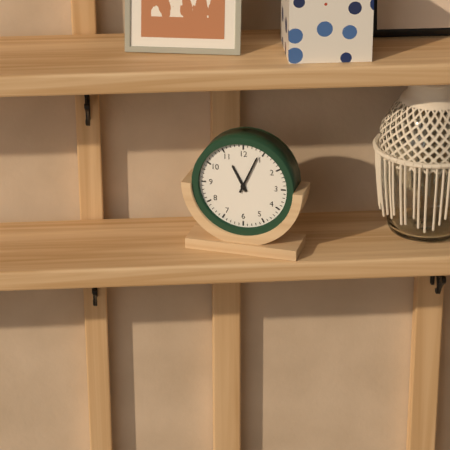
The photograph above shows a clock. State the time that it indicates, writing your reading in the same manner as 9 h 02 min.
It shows 11 h 04 min
